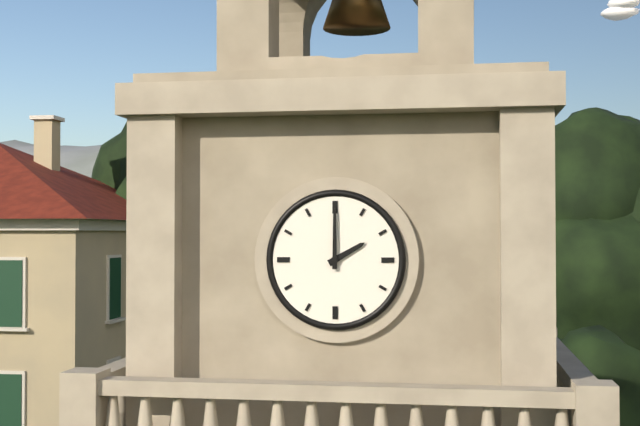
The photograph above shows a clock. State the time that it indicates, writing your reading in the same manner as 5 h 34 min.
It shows 2 h 00 min
